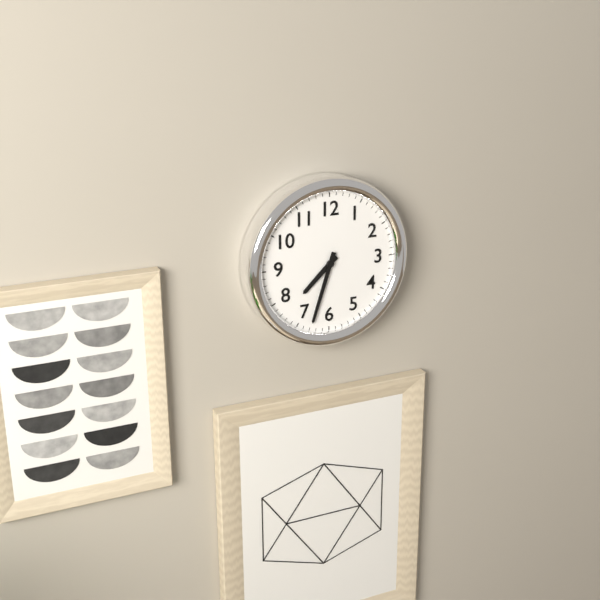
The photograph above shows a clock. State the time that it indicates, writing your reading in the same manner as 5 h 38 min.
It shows 7 h 33 min
